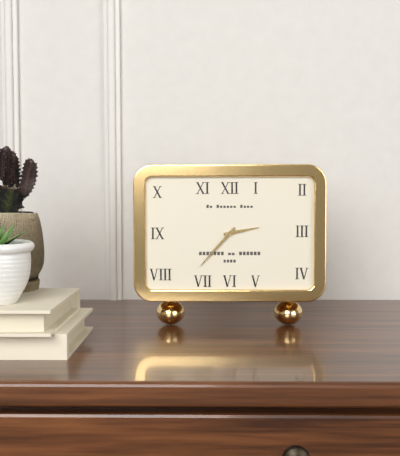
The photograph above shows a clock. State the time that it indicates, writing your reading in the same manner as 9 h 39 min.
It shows 2 h 37 min
